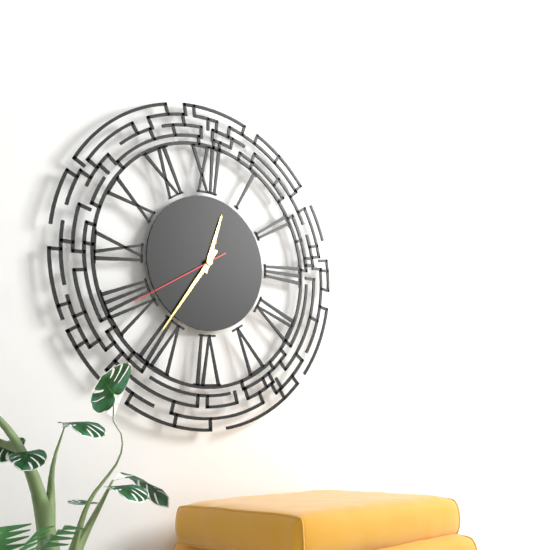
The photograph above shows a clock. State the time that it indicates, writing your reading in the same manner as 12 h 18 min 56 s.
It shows 12 h 36 min 40 s
